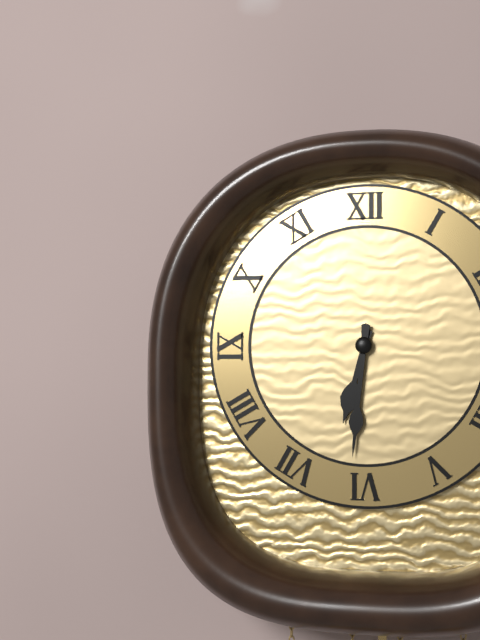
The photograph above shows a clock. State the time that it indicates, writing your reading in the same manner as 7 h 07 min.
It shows 6 h 31 min
